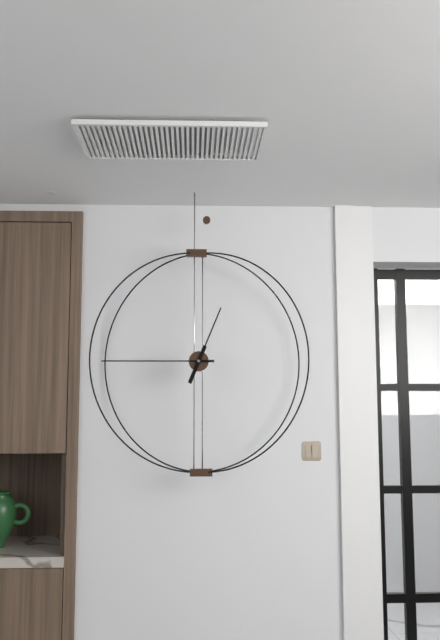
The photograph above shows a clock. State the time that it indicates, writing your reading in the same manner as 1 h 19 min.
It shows 12 h 45 min
